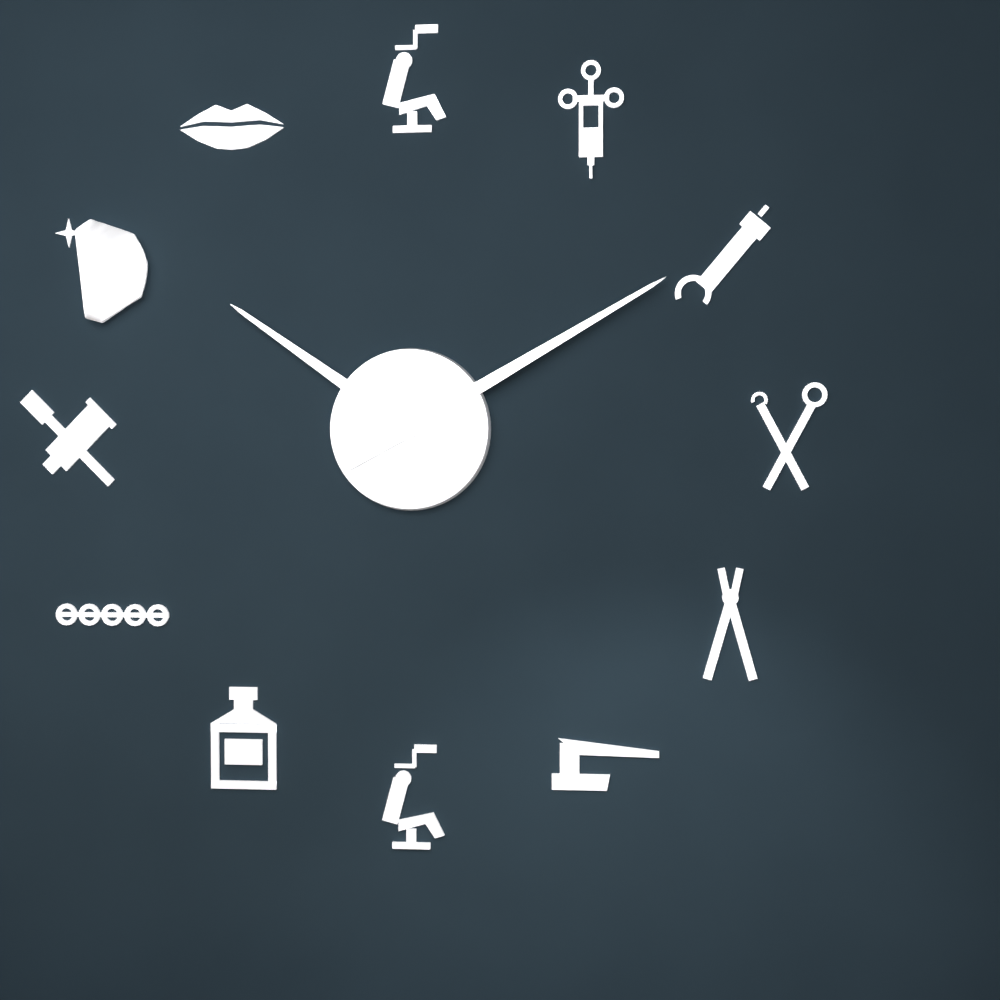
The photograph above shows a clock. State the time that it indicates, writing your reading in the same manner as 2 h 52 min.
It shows 10 h 10 min
